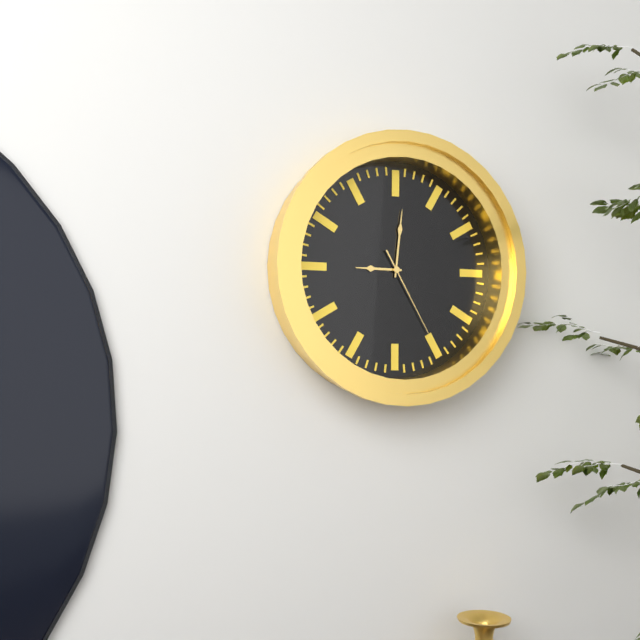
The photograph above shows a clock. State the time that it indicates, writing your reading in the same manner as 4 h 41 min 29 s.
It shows 9 h 01 min 25 s
